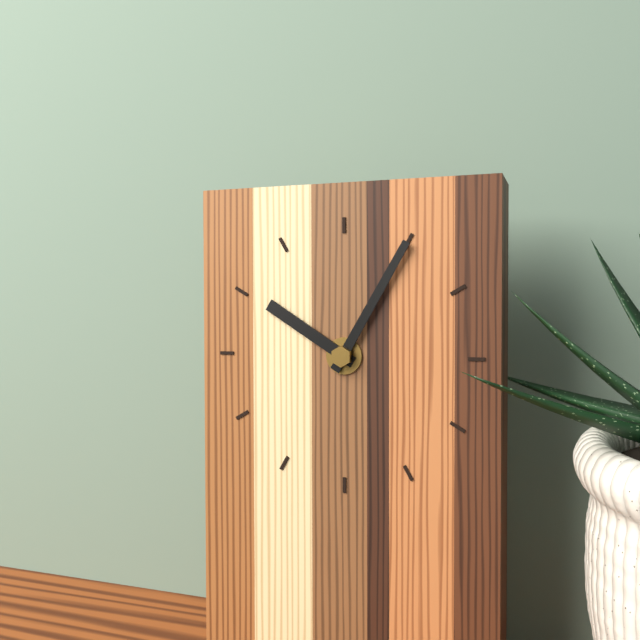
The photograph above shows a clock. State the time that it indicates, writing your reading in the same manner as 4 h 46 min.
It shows 10 h 05 min
